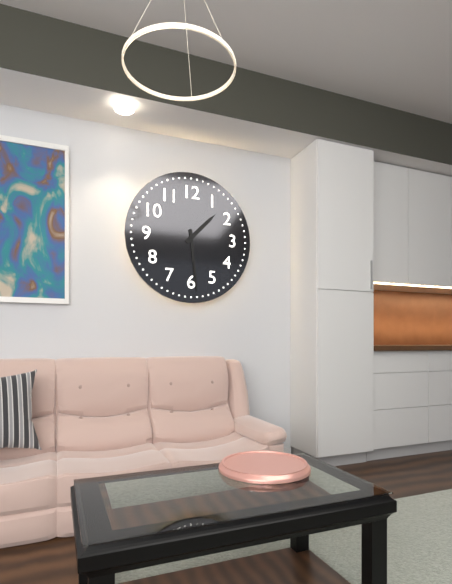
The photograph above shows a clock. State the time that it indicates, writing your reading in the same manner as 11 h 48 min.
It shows 1 h 29 min
